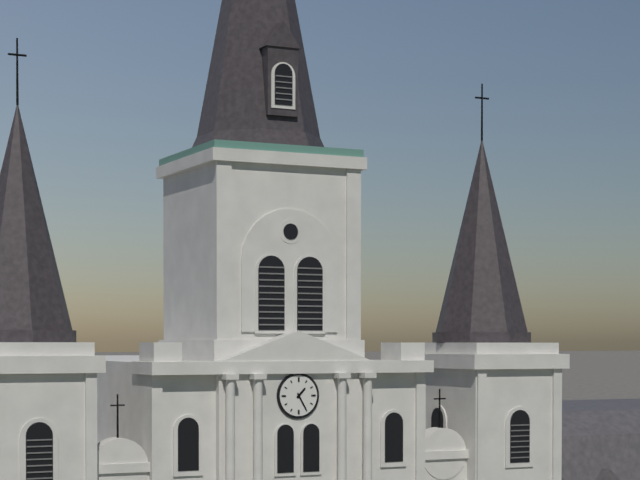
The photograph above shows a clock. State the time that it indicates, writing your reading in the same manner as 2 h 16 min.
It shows 1 h 25 min
